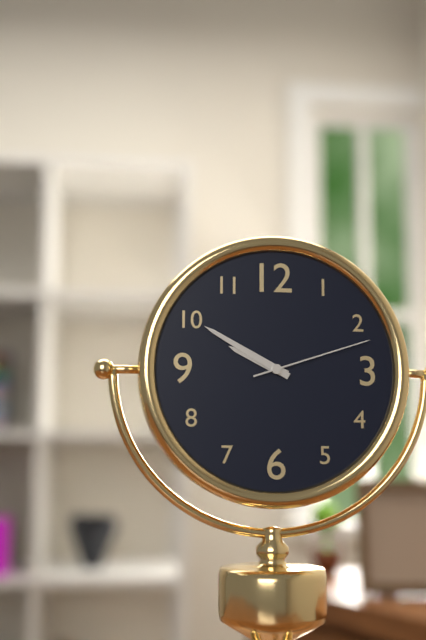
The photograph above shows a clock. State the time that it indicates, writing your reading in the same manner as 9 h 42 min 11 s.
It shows 9 h 50 min 12 s
